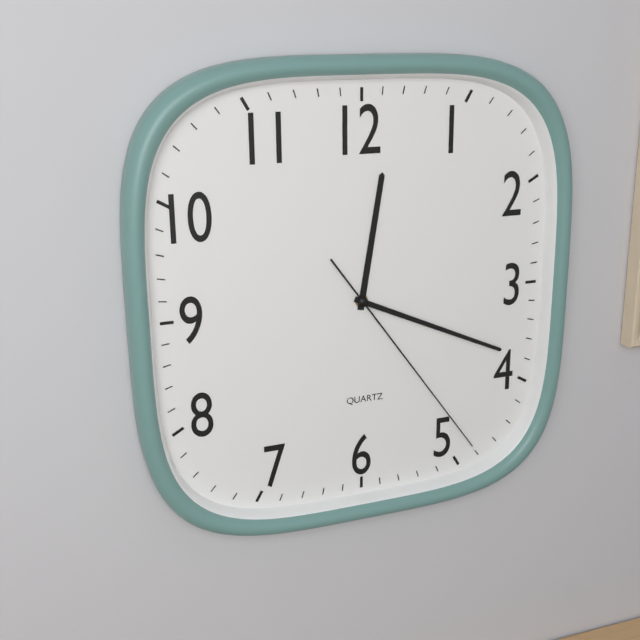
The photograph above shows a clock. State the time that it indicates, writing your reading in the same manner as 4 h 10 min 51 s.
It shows 12 h 19 min 24 s
